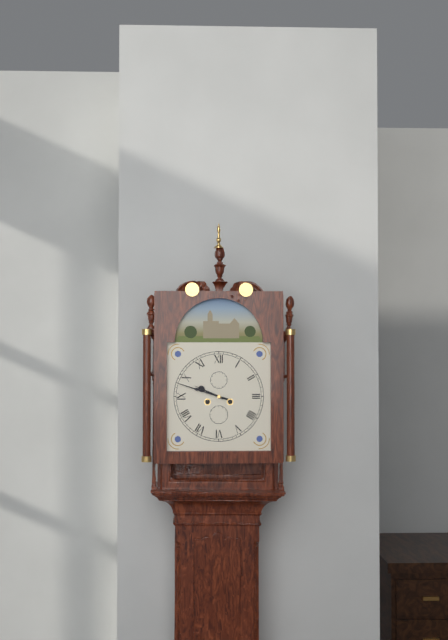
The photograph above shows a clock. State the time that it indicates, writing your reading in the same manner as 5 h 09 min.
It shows 9 h 48 min
